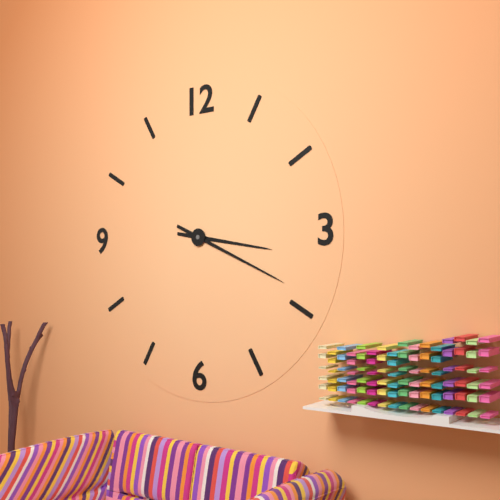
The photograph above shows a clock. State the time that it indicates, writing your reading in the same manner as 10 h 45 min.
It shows 3 h 19 min
